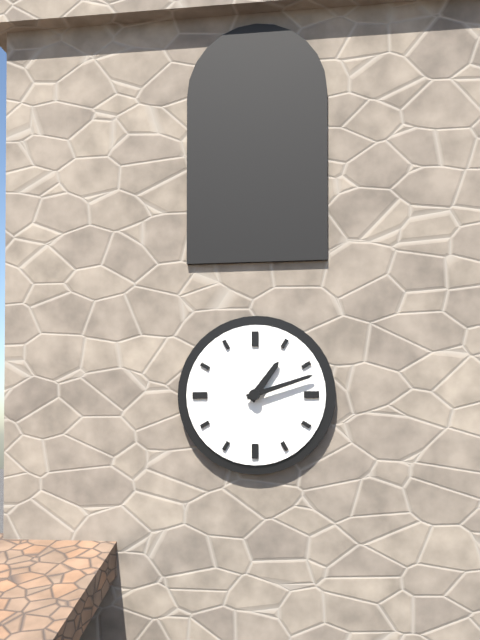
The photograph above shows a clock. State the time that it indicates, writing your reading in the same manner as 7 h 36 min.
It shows 1 h 12 min
